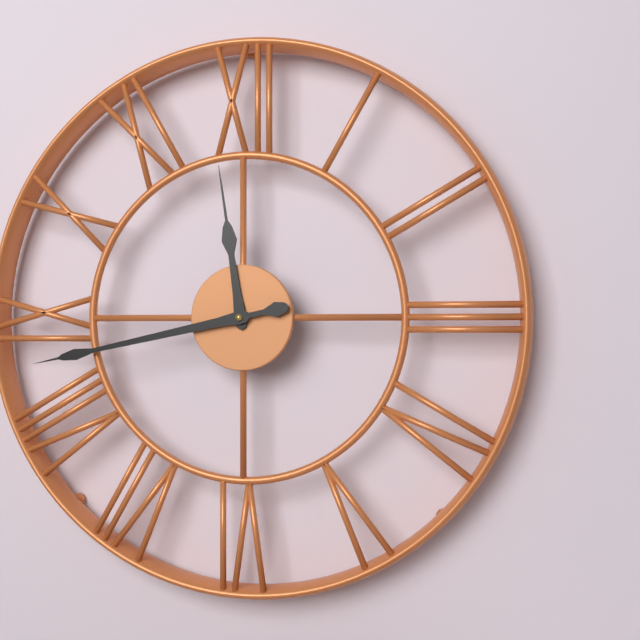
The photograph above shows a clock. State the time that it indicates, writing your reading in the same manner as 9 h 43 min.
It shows 11 h 43 min
